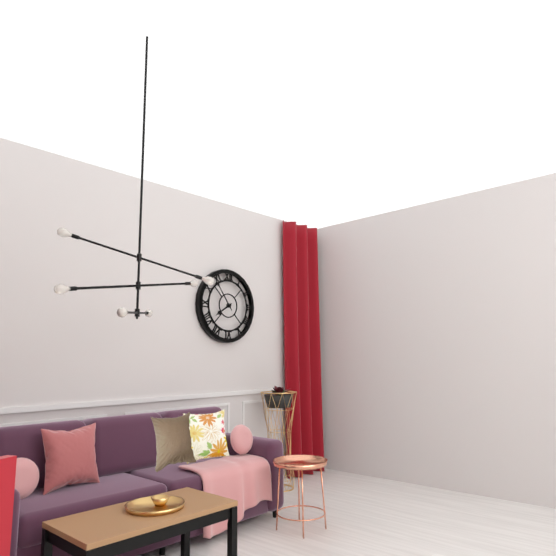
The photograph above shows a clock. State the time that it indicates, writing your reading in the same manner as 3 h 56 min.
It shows 7 h 54 min
